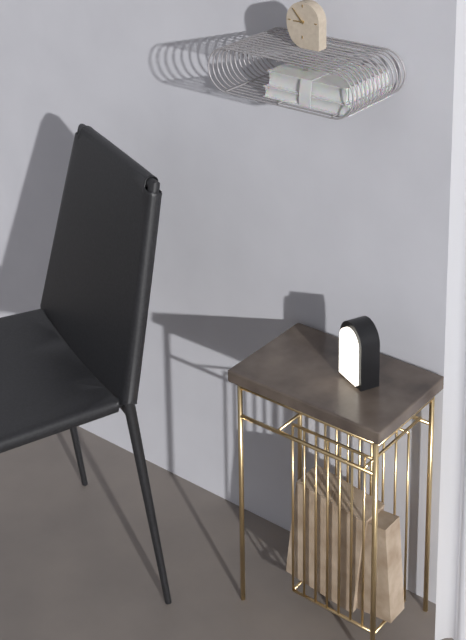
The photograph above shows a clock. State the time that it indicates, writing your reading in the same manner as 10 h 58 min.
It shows 8 h 53 min
